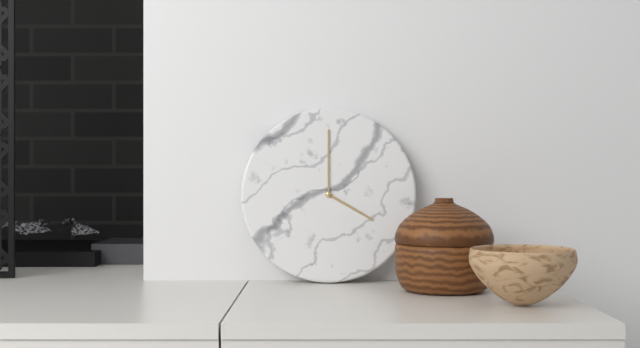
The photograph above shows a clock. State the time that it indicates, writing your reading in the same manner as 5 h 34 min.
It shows 4 h 00 min
